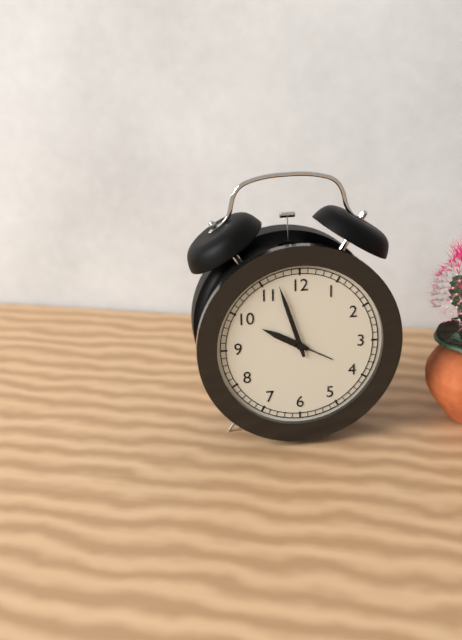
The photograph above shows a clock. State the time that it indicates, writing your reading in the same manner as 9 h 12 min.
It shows 9 h 57 min
